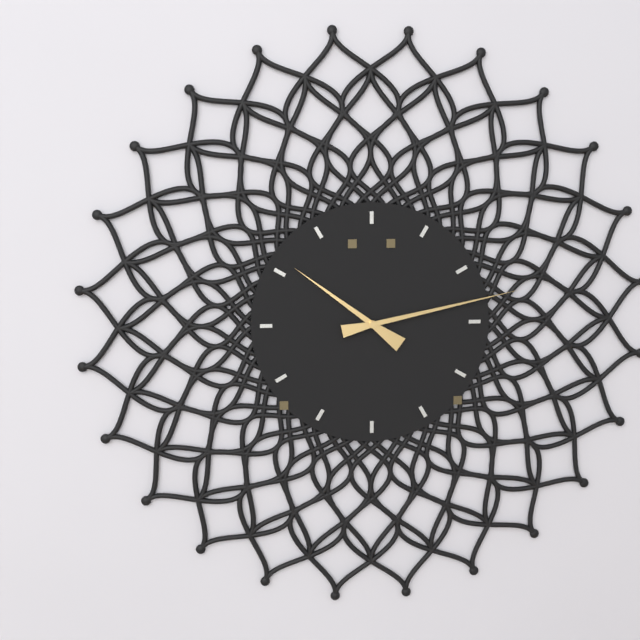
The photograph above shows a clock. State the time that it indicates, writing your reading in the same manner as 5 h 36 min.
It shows 10 h 13 min
